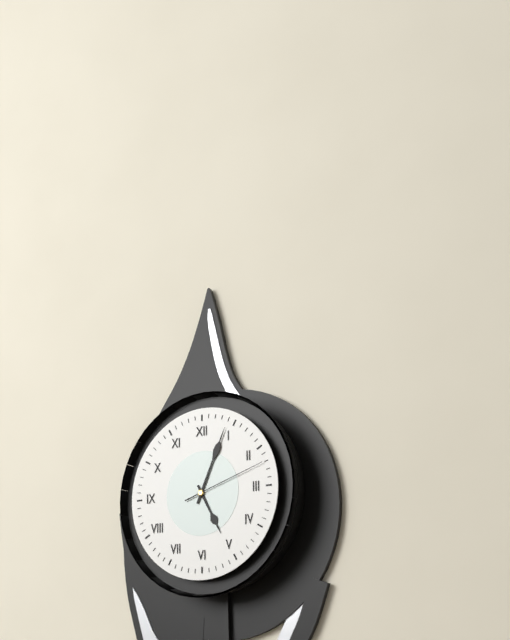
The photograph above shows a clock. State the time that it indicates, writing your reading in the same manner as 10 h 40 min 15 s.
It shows 5 h 04 min 12 s
